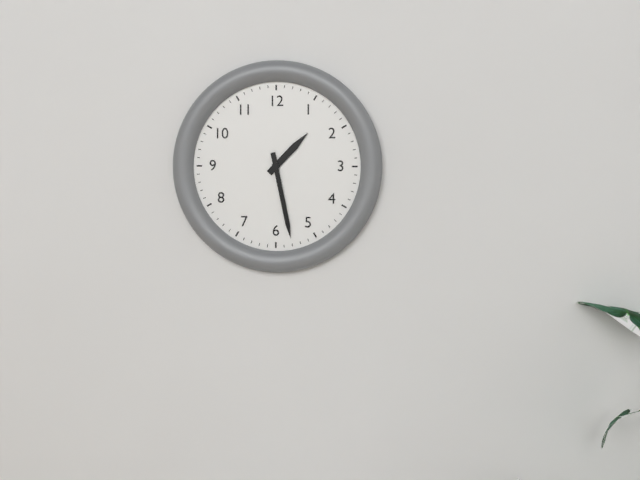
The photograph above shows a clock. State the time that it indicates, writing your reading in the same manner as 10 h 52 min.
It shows 1 h 28 min
